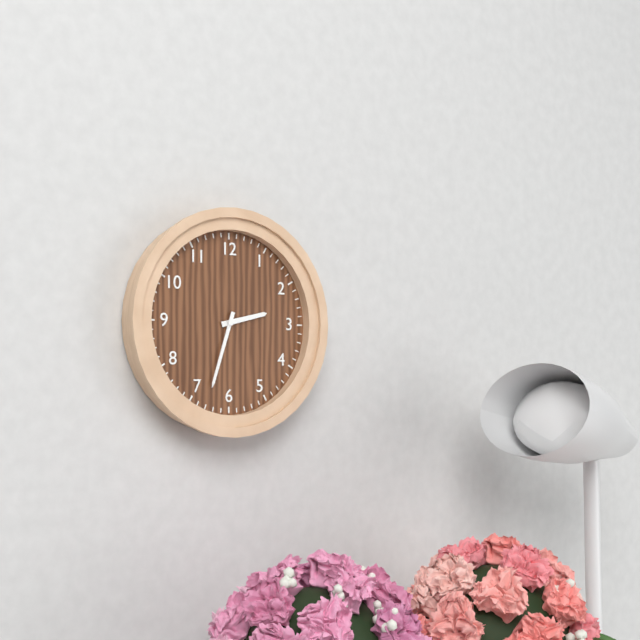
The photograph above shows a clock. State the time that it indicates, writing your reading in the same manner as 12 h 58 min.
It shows 2 h 33 min
